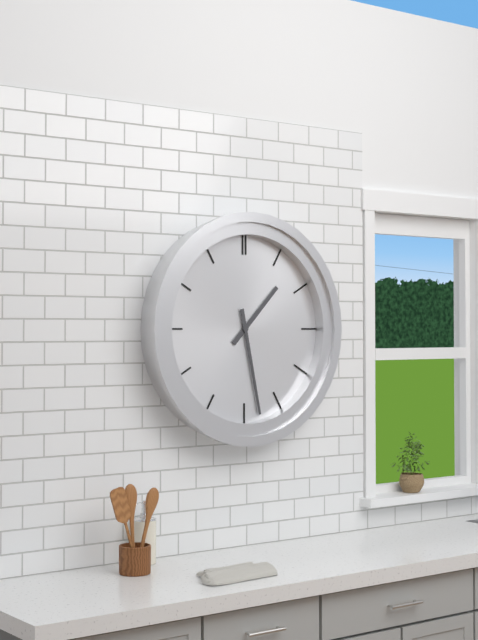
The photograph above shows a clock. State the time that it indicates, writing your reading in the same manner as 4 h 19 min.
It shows 1 h 28 min
